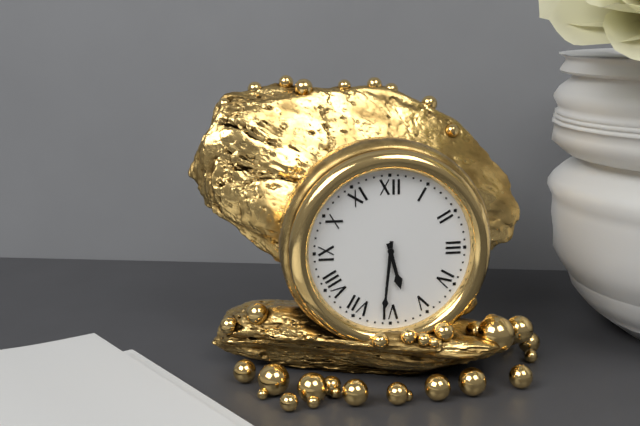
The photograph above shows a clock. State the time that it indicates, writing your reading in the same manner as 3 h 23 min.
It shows 5 h 31 min
